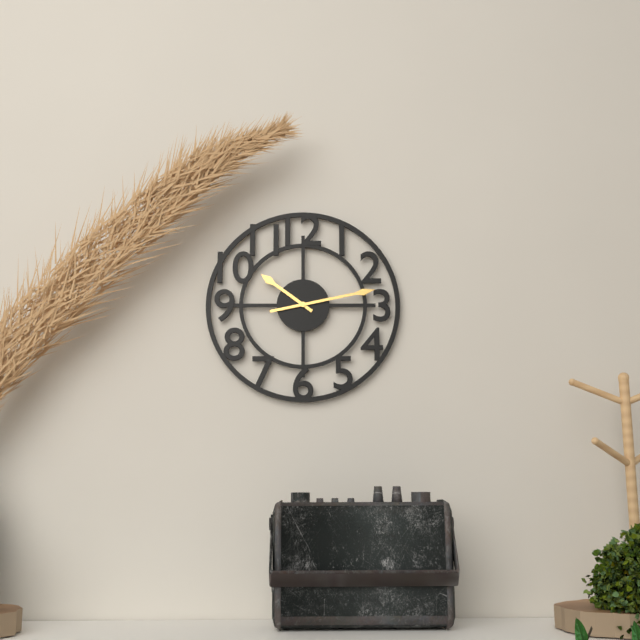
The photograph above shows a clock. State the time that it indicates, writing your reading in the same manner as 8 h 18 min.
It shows 10 h 13 min
